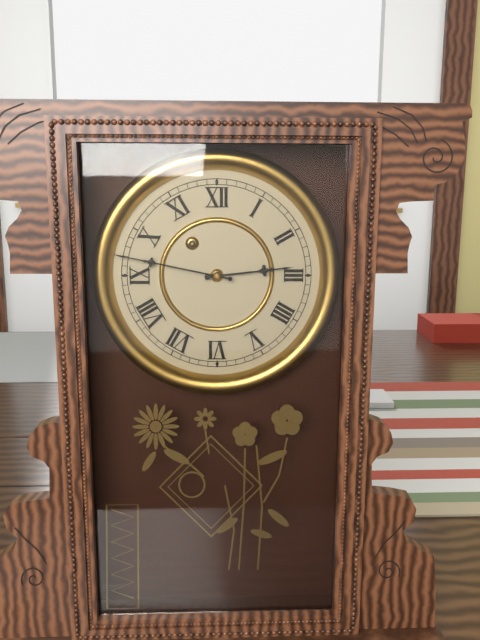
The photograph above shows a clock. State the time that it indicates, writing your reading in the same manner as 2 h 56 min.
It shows 2 h 47 min
